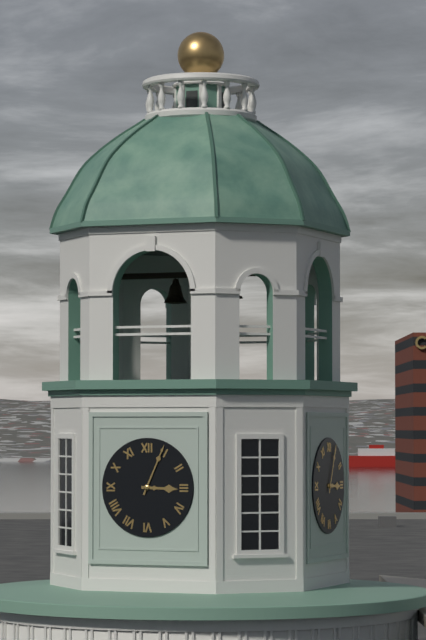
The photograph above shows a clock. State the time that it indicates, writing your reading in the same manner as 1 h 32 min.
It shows 3 h 04 min
